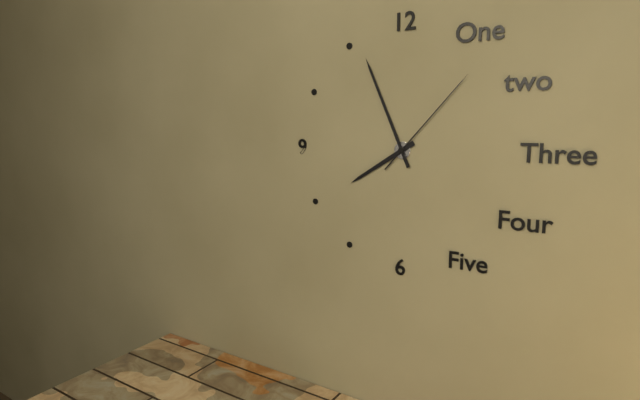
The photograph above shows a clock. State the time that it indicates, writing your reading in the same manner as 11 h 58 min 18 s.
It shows 7 h 56 min 07 s
